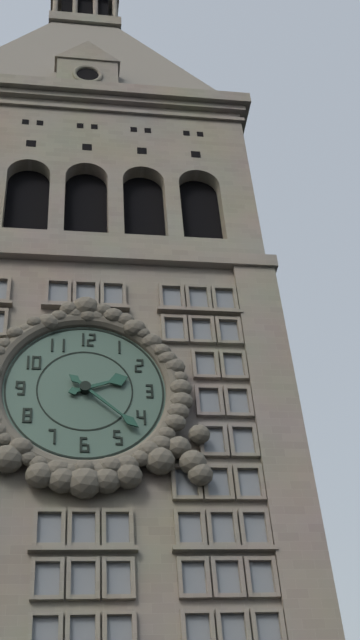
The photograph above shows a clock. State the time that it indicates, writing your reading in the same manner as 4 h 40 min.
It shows 2 h 22 min
